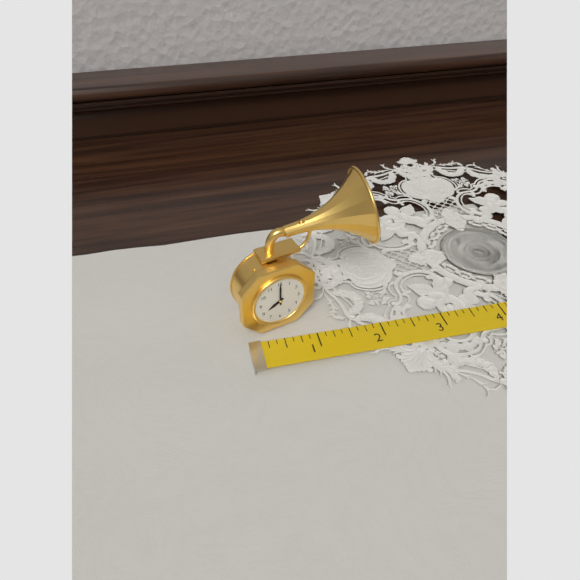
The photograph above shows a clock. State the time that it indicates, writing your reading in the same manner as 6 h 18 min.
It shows 8 h 00 min
